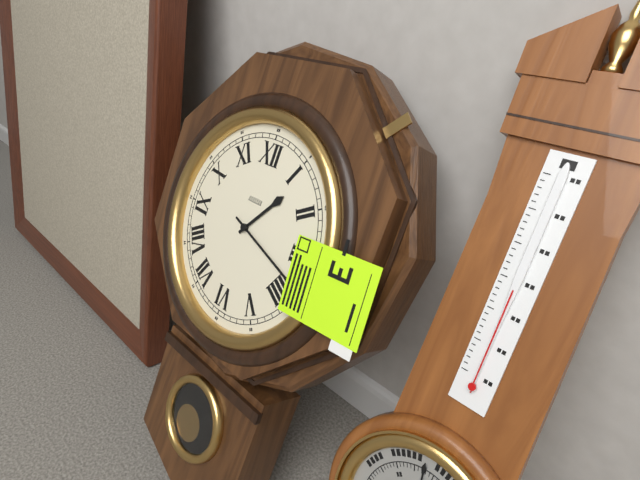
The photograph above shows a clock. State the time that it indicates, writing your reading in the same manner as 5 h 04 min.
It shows 1 h 18 min
